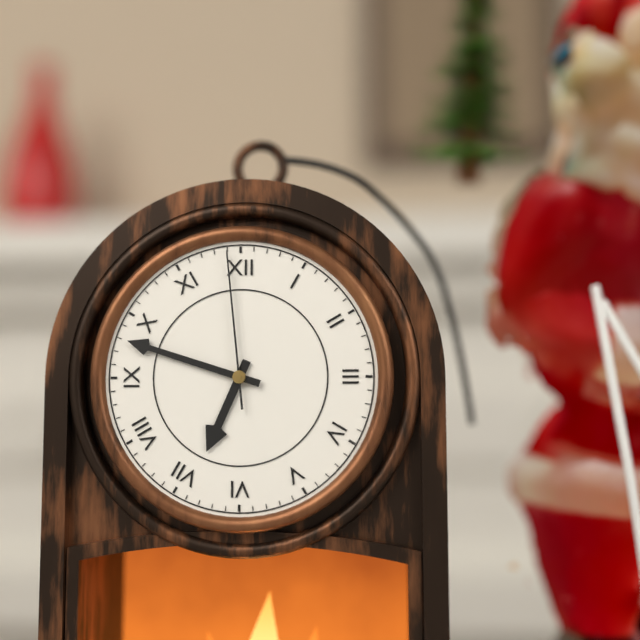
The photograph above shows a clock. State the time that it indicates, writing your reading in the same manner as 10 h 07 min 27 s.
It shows 6 h 48 min 59 s
